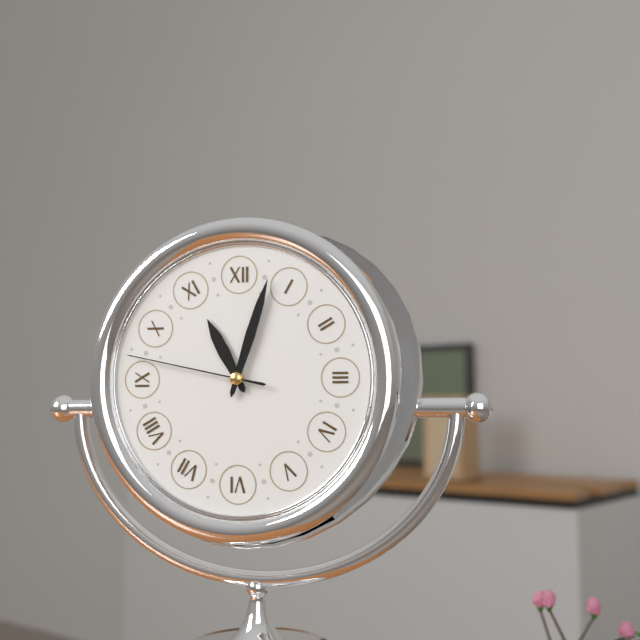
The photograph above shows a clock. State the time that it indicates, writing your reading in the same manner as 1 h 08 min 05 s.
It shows 11 h 03 min 47 s
